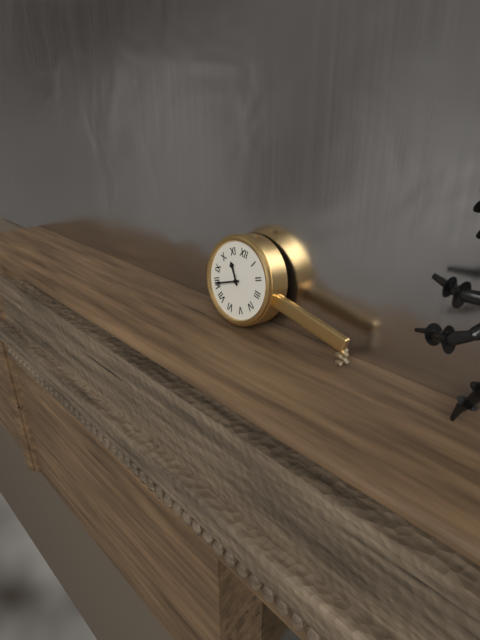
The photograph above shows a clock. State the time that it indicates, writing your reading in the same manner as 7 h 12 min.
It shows 10 h 40 min
